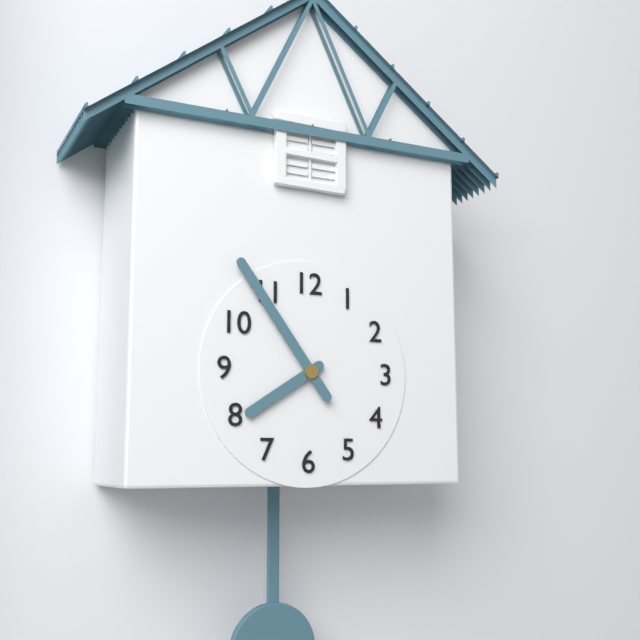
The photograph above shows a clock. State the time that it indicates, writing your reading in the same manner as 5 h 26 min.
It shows 7 h 54 min
